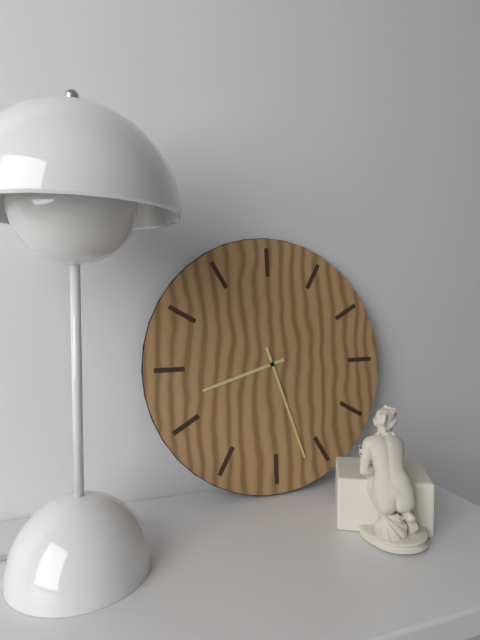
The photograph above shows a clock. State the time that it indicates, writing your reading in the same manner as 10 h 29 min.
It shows 8 h 27 min
